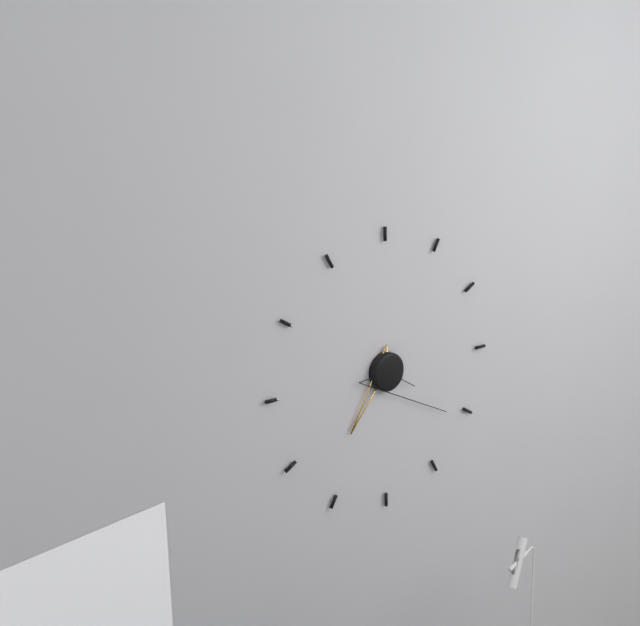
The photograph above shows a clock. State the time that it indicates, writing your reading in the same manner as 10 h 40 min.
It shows 7 h 21 min
